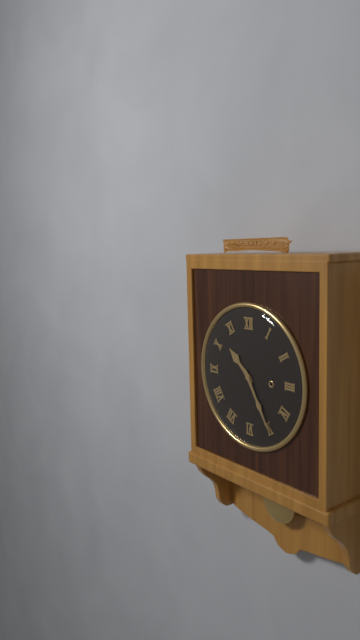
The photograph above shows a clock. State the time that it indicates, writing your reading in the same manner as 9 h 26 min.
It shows 10 h 25 min
